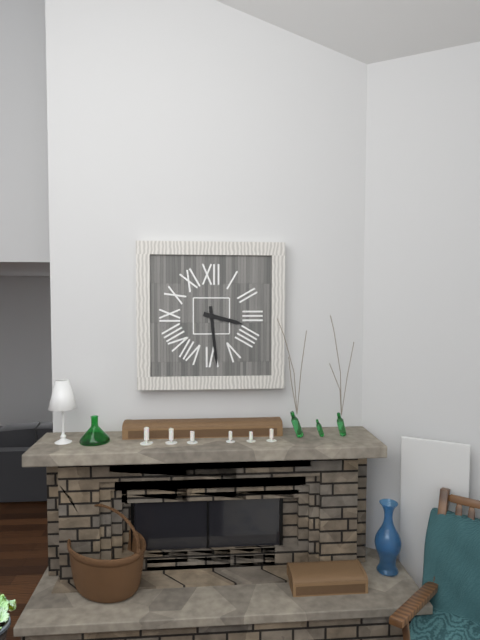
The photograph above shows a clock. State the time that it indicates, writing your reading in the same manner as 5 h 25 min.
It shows 3 h 29 min
